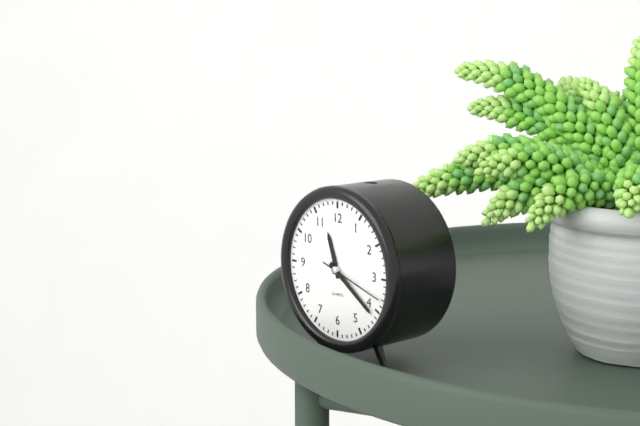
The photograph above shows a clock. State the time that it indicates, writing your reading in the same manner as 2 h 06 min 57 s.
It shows 11 h 21 min 18 s
